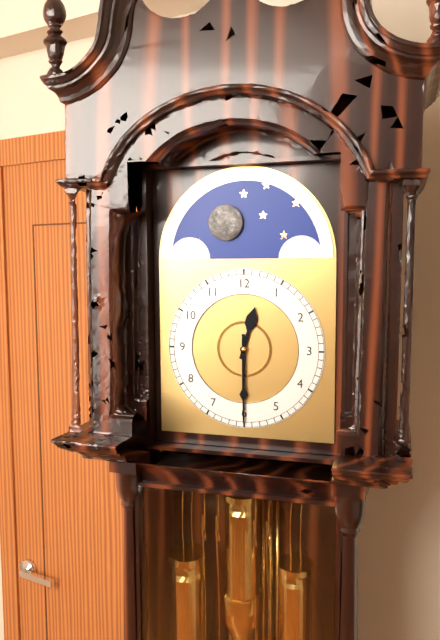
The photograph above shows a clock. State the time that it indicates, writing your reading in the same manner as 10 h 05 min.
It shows 12 h 30 min
